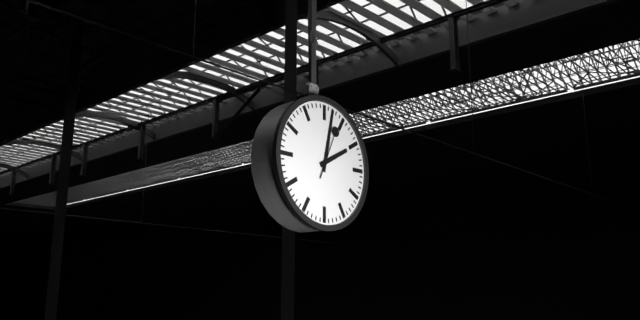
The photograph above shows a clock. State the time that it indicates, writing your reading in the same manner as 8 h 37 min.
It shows 2 h 02 min
